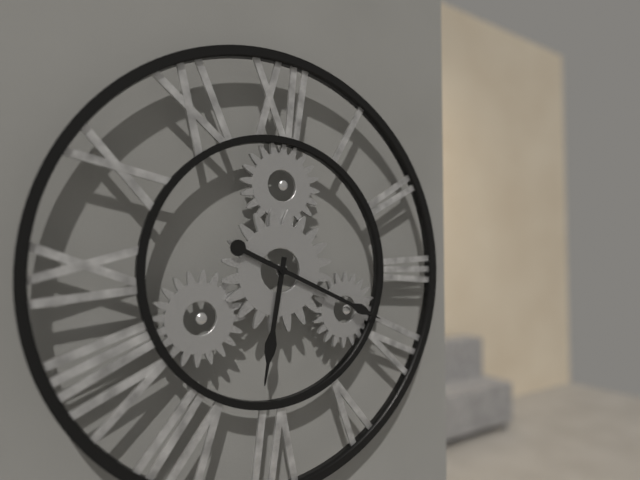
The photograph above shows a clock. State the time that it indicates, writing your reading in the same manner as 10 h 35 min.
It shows 6 h 19 min
